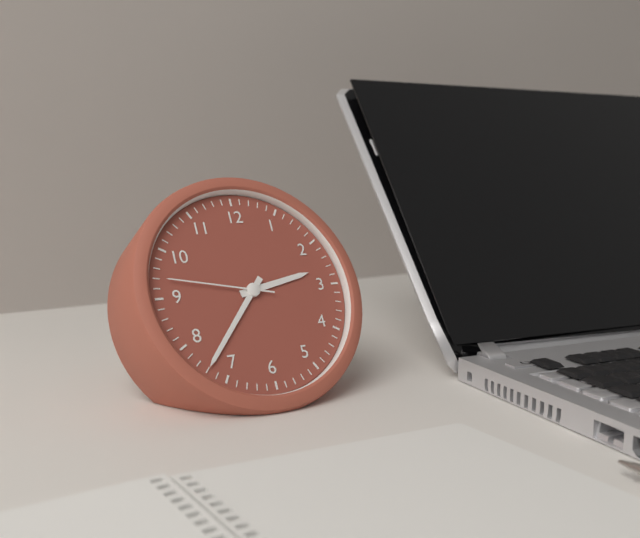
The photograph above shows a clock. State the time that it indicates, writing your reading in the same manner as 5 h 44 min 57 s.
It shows 2 h 37 min 47 s
